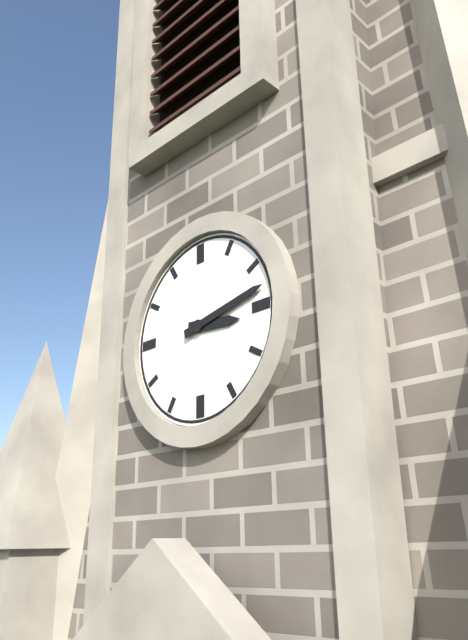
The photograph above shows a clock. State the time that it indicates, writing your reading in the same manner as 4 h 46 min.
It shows 3 h 13 min
